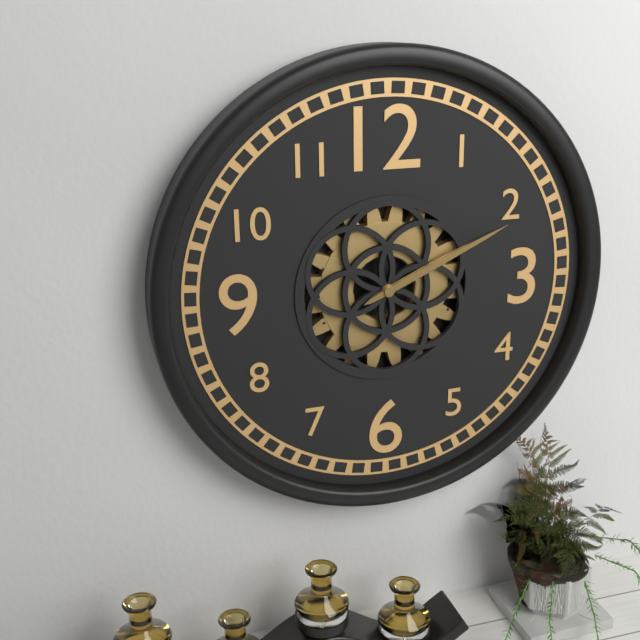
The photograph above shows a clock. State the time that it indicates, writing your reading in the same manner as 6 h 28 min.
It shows 2 h 11 min
